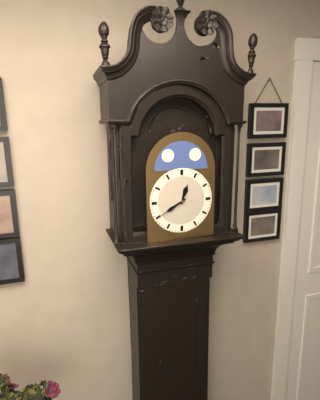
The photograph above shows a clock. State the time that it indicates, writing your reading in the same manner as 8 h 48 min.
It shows 12 h 40 min
